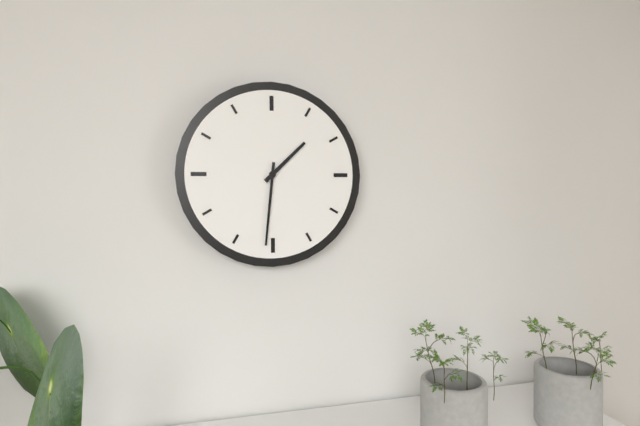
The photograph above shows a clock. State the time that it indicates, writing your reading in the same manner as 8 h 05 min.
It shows 1 h 31 min
